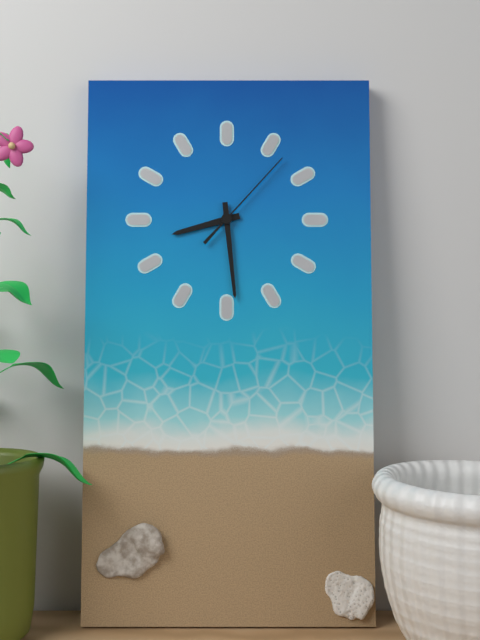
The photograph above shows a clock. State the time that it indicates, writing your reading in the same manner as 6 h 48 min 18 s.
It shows 8 h 29 min 07 s
